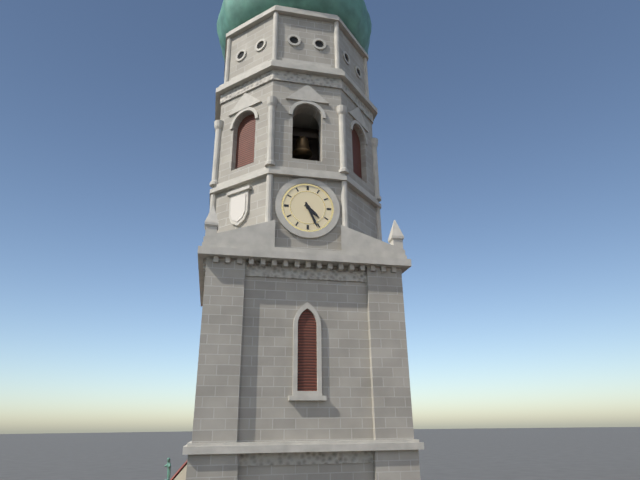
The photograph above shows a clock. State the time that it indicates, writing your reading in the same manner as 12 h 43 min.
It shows 4 h 26 min
